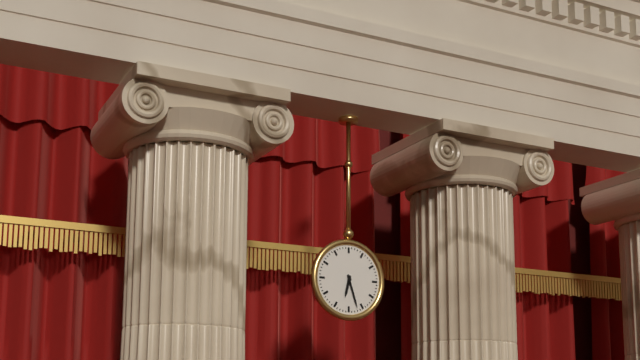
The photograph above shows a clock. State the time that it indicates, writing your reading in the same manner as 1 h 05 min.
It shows 6 h 27 min
